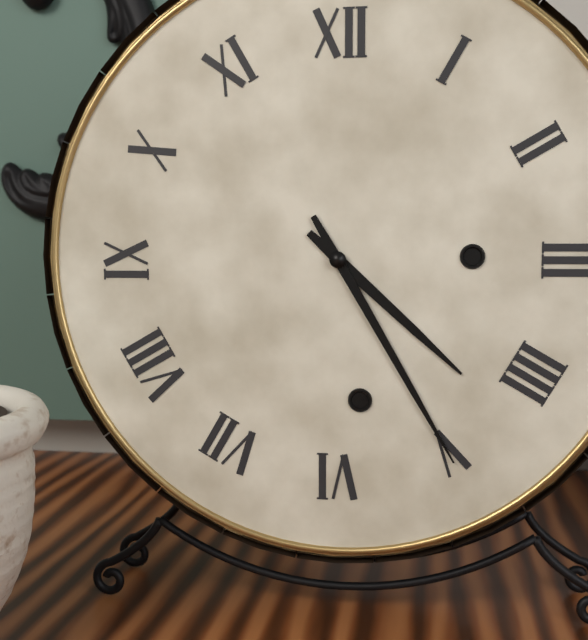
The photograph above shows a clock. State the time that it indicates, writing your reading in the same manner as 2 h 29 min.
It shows 4 h 25 min
